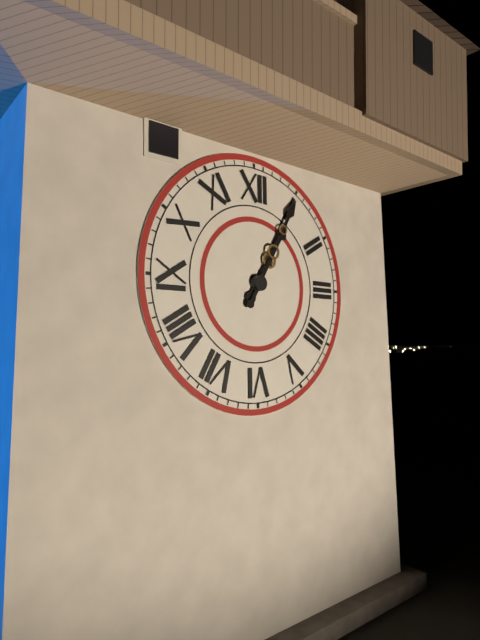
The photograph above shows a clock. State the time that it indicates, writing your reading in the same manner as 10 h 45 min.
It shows 1 h 05 min
